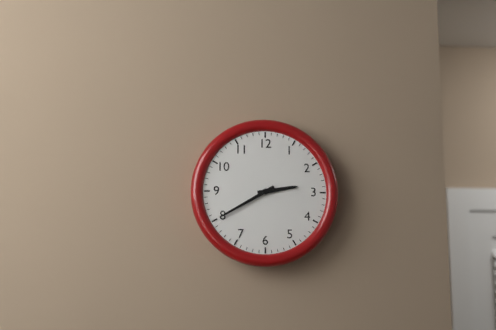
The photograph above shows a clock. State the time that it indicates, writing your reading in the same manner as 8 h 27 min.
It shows 2 h 40 min
